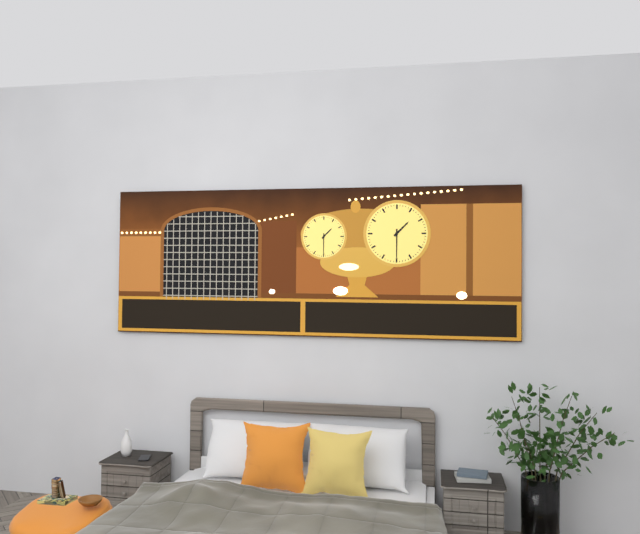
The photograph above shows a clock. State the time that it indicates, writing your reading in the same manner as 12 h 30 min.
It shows 1 h 30 min
